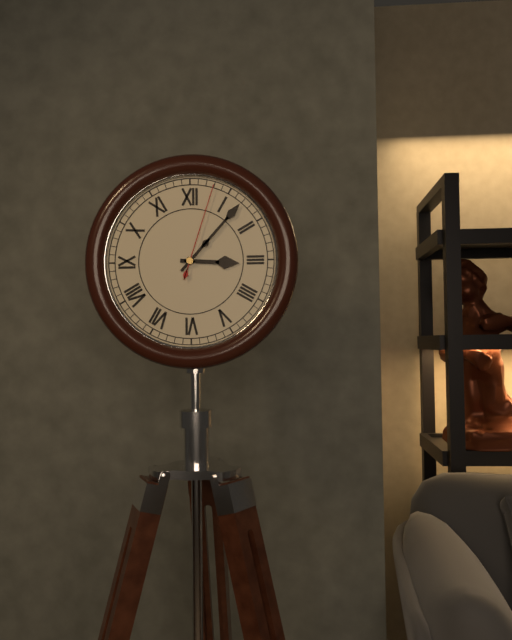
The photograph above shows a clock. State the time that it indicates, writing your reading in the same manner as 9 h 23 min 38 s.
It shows 3 h 07 min 03 s
